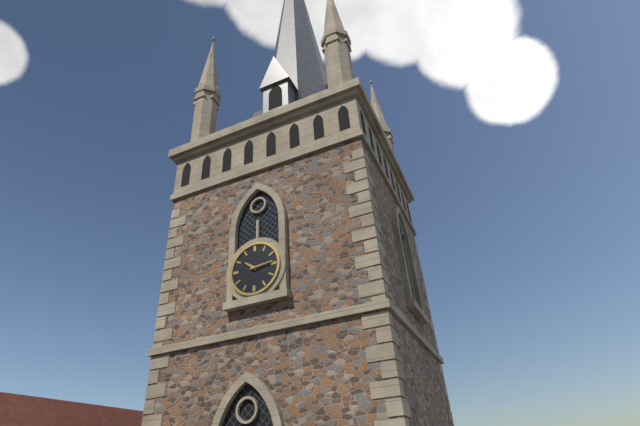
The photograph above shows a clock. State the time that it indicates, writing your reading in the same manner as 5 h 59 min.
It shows 10 h 14 min
